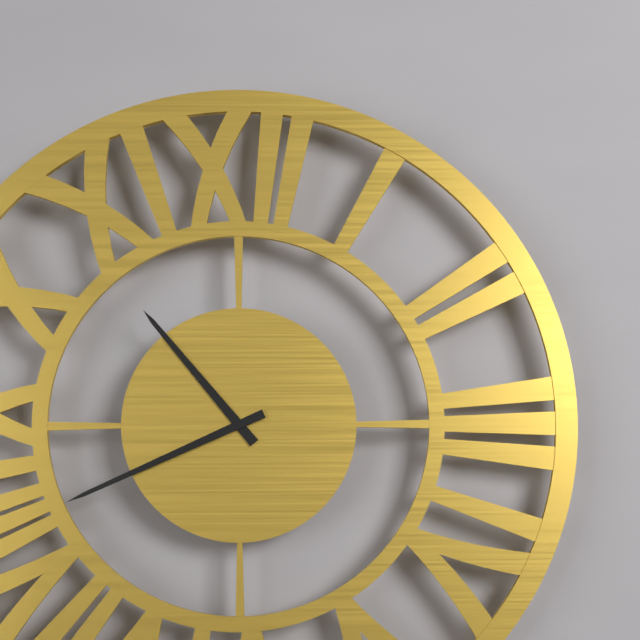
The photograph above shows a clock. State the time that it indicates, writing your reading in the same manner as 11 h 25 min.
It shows 10 h 41 min
